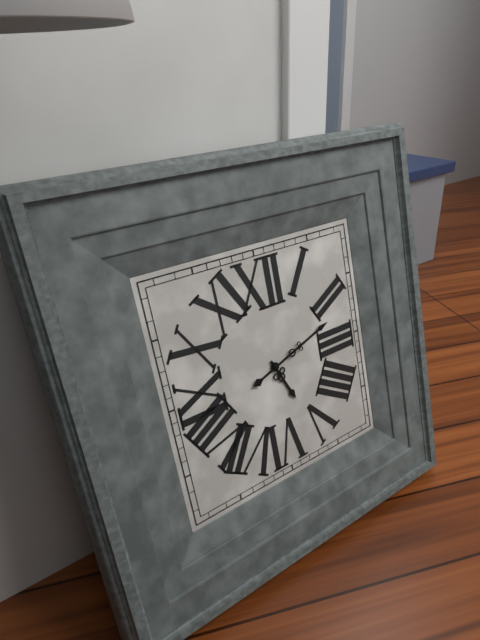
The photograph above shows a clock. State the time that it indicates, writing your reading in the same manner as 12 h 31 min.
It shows 5 h 12 min
